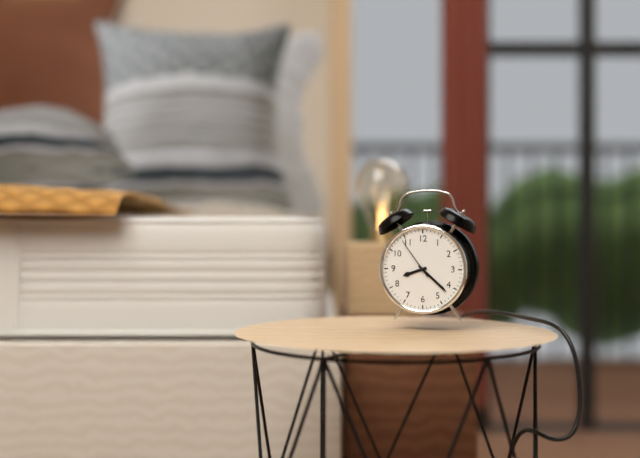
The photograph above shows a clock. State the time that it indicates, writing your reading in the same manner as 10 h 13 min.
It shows 8 h 22 min
